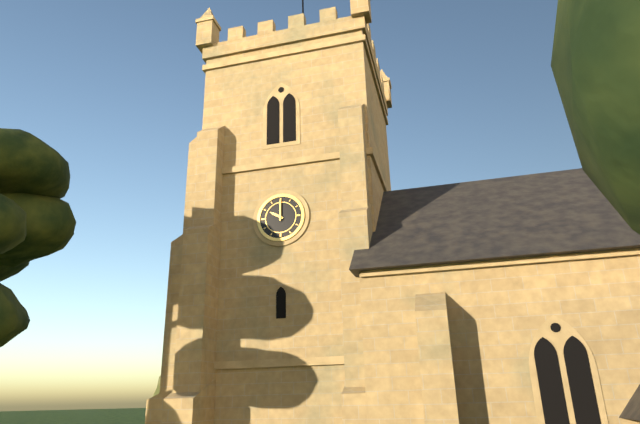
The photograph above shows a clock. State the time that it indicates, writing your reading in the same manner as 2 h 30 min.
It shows 10 h 00 min
